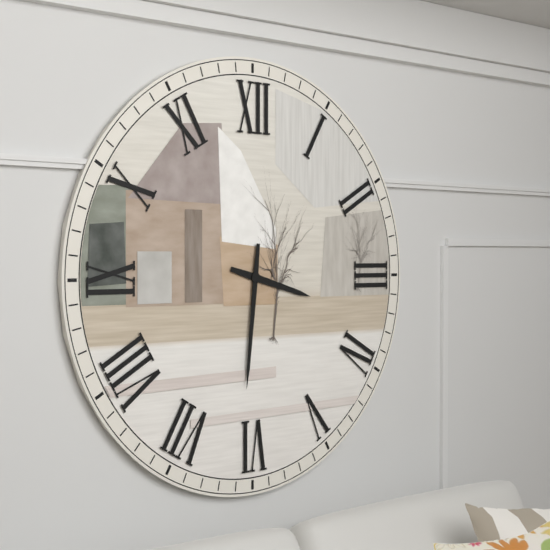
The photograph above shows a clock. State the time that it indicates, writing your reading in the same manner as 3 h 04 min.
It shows 3 h 31 min
